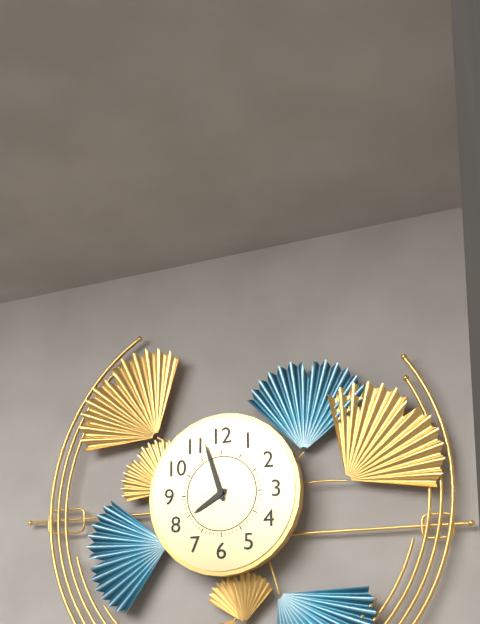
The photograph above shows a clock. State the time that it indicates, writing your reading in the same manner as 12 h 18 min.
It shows 7 h 57 min
